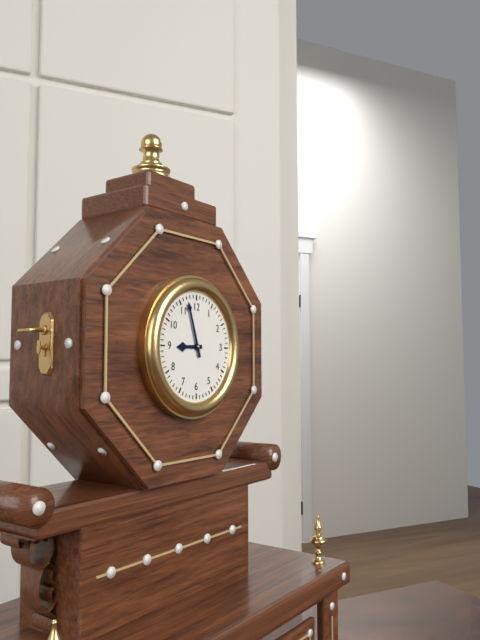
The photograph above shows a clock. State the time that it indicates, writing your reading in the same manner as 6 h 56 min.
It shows 8 h 57 min
